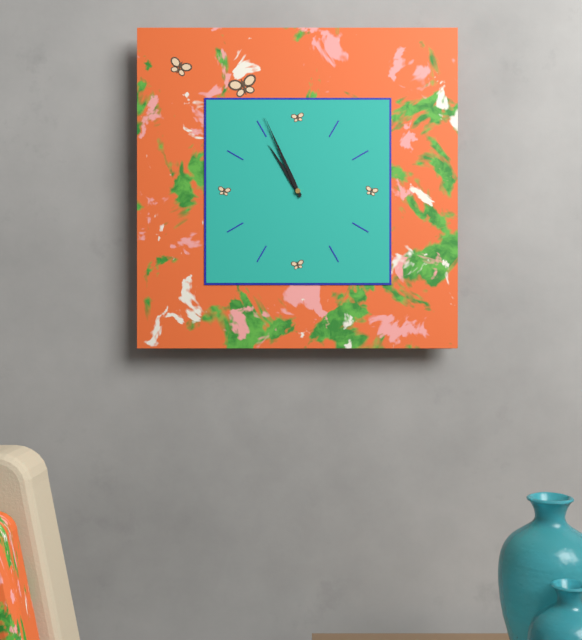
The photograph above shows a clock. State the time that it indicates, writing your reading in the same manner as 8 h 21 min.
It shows 10 h 56 min
